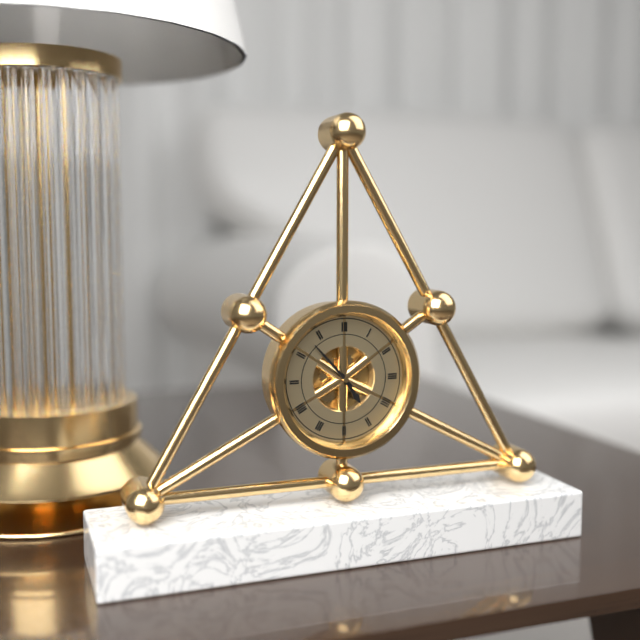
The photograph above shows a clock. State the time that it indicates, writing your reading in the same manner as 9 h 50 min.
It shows 4 h 53 min
